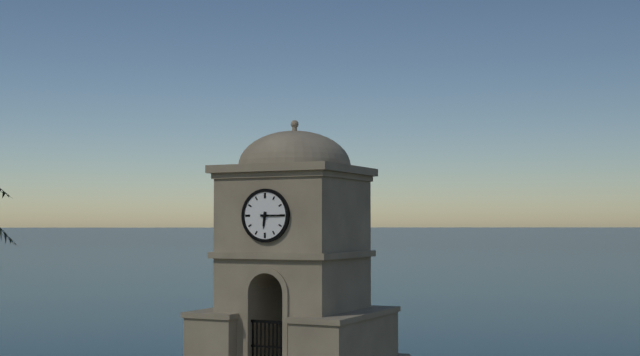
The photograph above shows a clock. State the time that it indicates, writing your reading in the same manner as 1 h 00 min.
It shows 6 h 15 min
